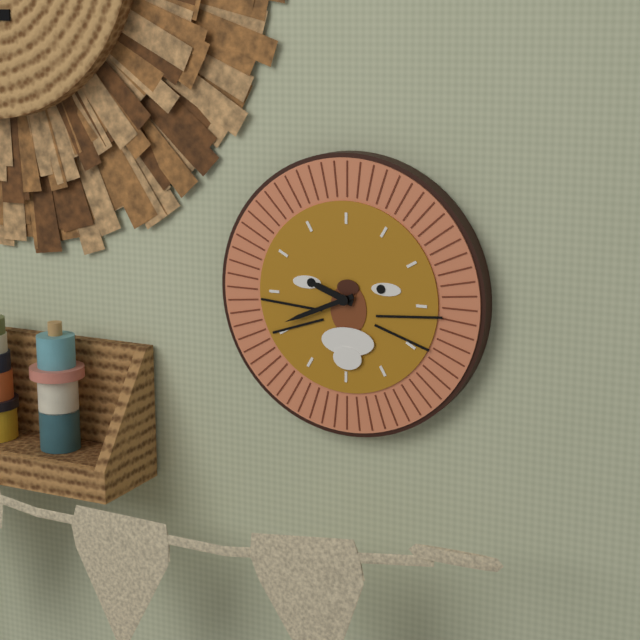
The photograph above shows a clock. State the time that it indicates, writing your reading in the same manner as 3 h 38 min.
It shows 9 h 41 min
